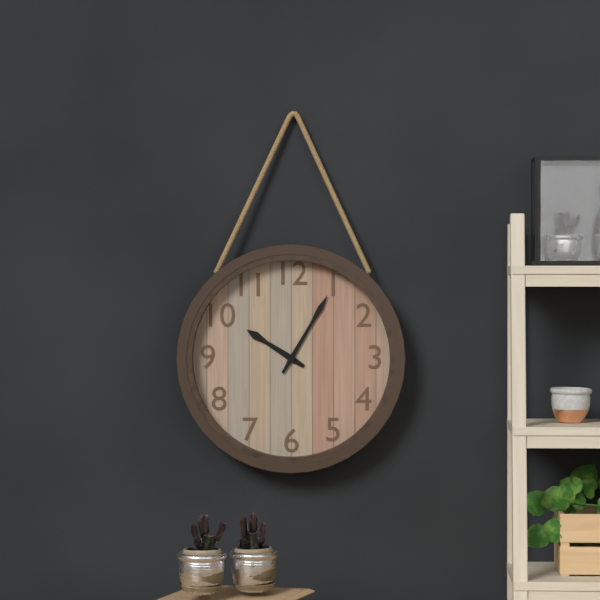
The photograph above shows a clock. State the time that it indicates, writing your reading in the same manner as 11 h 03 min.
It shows 10 h 05 min
